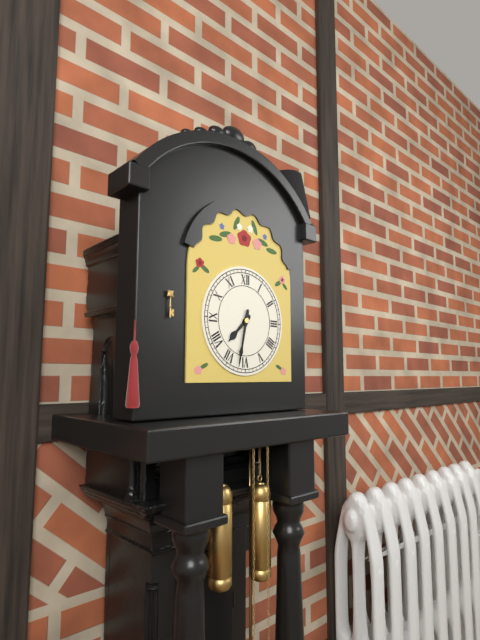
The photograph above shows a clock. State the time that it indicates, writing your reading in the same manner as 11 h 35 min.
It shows 7 h 32 min
